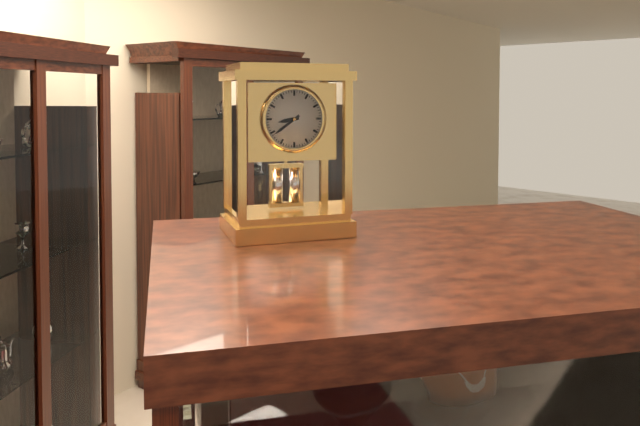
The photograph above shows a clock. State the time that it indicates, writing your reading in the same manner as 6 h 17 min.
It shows 8 h 39 min
